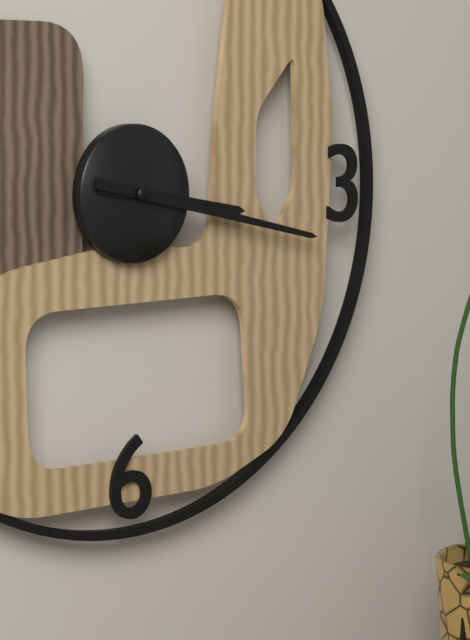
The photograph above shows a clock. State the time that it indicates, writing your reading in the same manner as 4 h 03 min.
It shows 3 h 17 min
